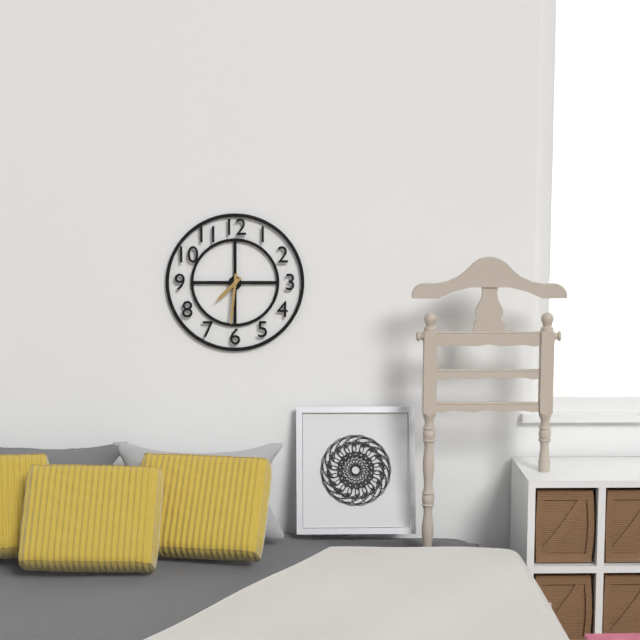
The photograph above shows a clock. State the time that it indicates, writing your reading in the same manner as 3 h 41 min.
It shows 7 h 31 min
